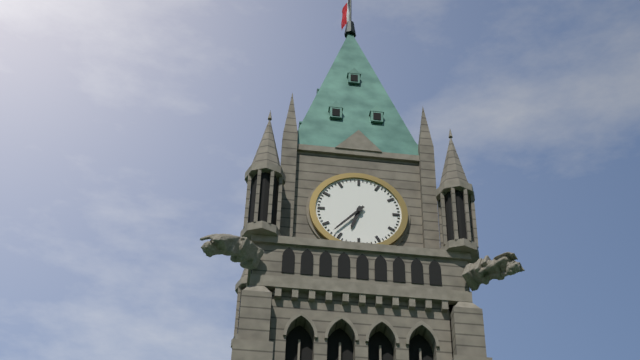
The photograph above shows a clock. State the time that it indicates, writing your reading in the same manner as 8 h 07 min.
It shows 6 h 37 min
